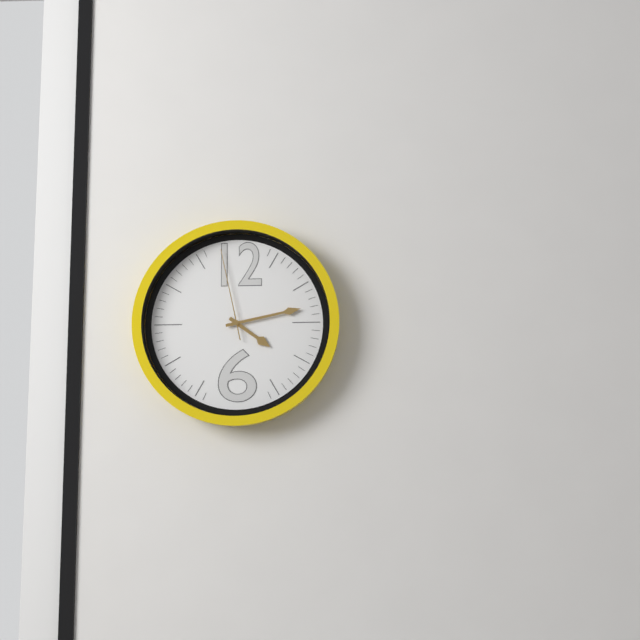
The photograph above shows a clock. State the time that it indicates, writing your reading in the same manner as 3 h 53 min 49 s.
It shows 4 h 13 min 58 s
